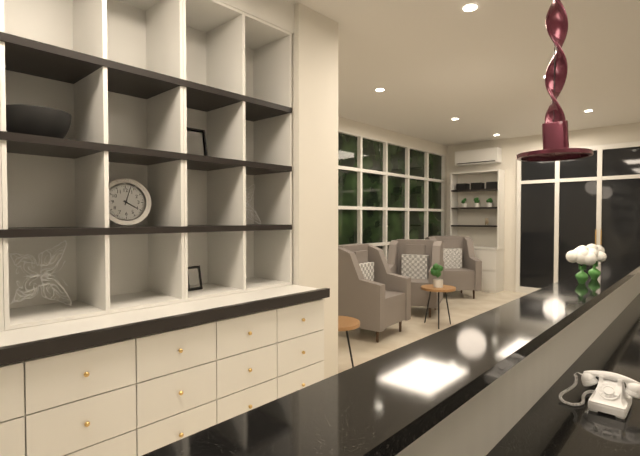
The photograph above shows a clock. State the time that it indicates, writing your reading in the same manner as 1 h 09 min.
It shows 4 h 03 min
